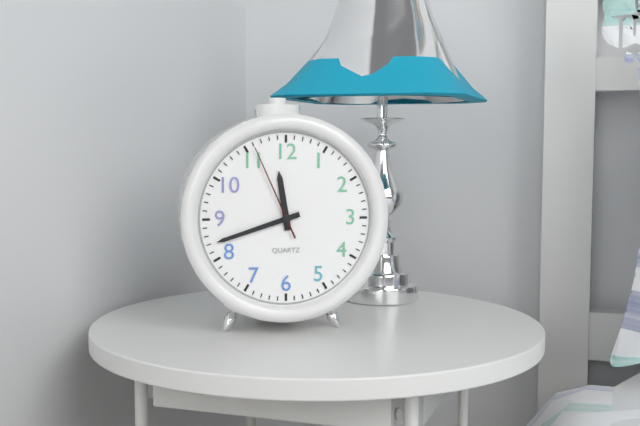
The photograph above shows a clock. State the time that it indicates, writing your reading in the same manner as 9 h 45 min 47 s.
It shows 11 h 42 min 56 s
